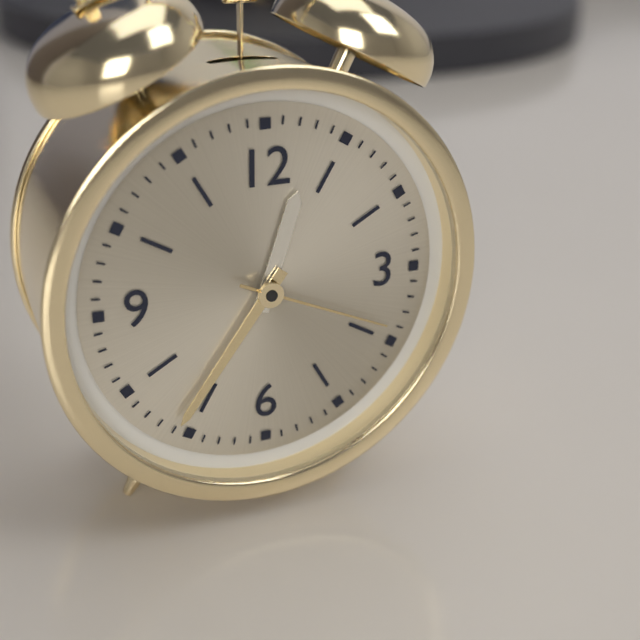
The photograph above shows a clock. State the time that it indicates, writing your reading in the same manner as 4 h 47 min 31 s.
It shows 12 h 36 min 19 s
